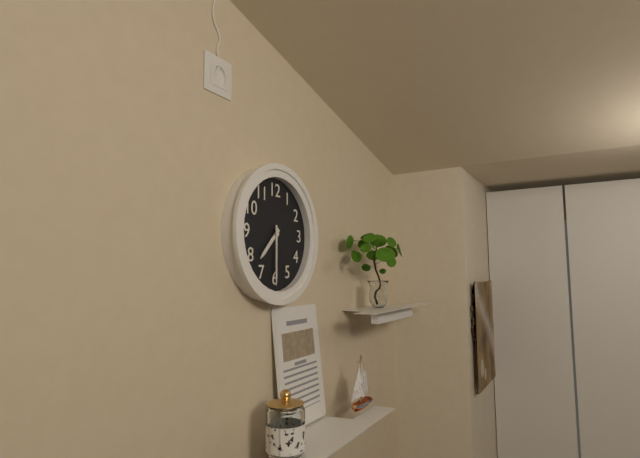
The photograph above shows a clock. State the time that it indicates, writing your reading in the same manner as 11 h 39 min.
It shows 7 h 30 min
